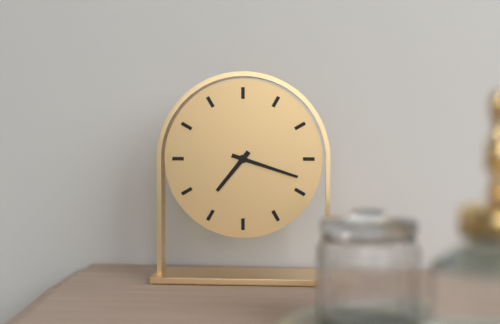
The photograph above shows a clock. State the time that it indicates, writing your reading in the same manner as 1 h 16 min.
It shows 7 h 18 min
